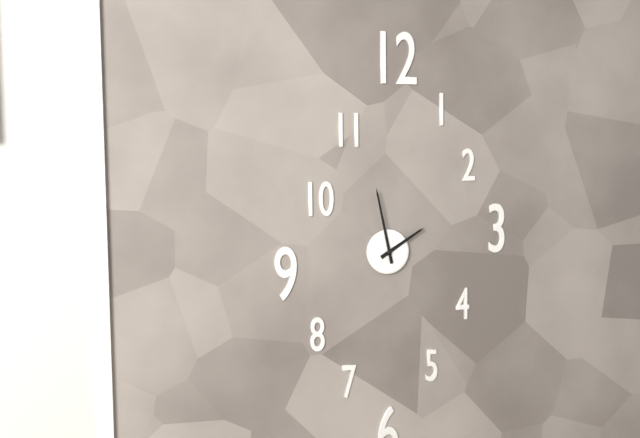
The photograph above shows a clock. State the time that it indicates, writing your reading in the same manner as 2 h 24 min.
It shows 1 h 58 min
